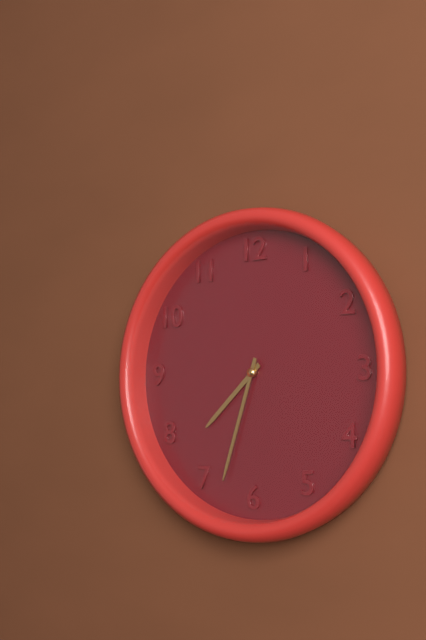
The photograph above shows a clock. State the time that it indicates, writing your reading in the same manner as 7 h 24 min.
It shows 7 h 33 min
